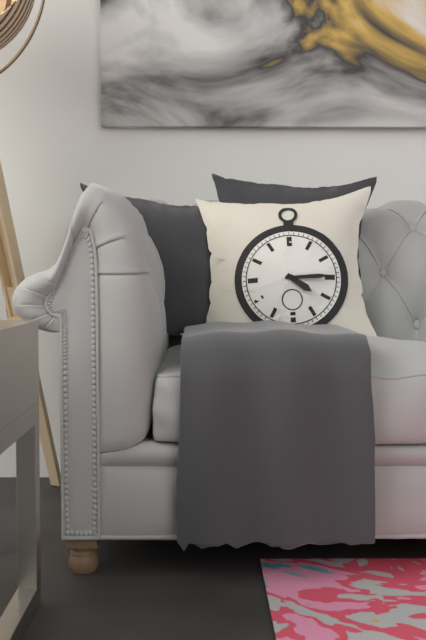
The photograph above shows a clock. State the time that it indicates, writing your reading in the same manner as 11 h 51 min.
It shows 4 h 15 min
